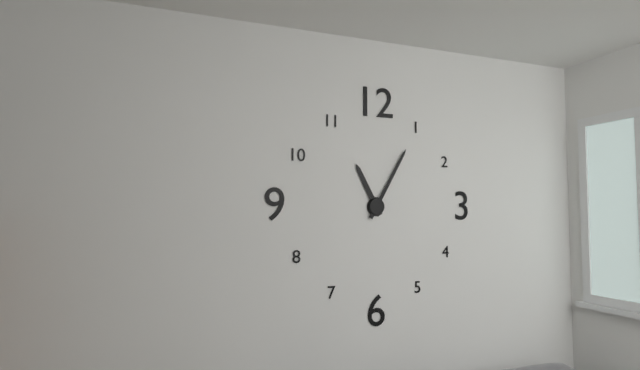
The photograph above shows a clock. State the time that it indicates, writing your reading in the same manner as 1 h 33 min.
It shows 11 h 05 min
